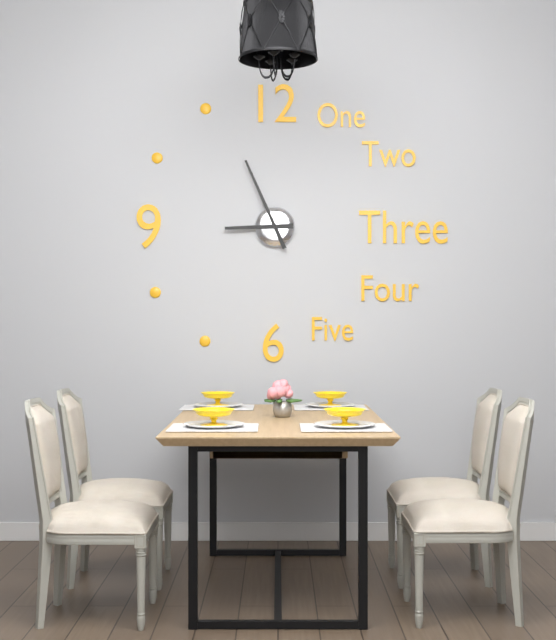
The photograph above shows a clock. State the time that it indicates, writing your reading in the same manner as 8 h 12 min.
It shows 8 h 56 min
